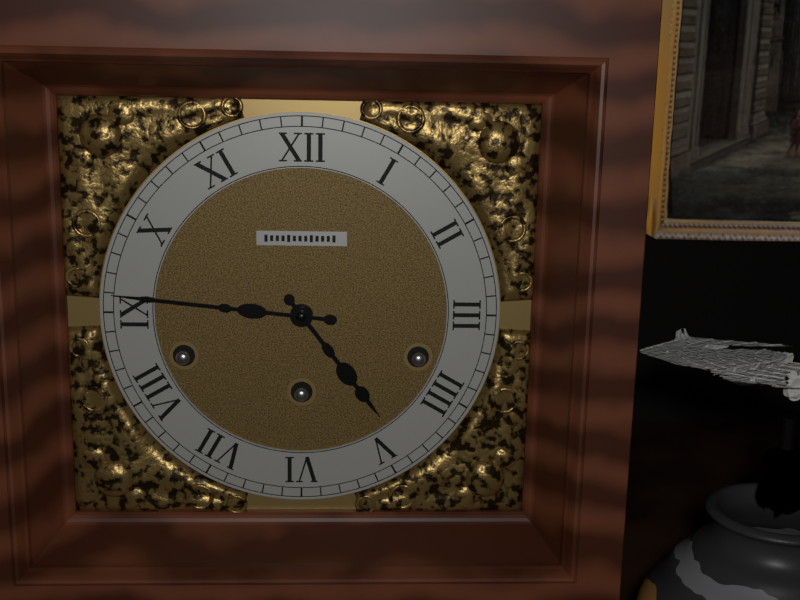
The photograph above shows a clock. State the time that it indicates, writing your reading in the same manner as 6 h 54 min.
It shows 4 h 46 min
